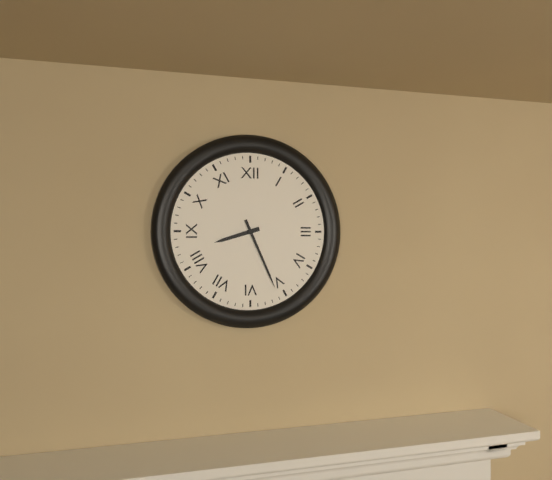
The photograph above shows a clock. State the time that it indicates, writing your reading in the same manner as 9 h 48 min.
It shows 8 h 26 min
